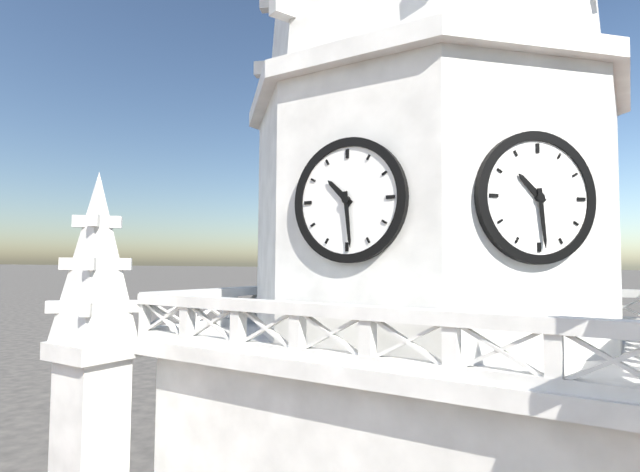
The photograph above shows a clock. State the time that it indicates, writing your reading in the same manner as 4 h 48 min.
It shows 10 h 29 min
